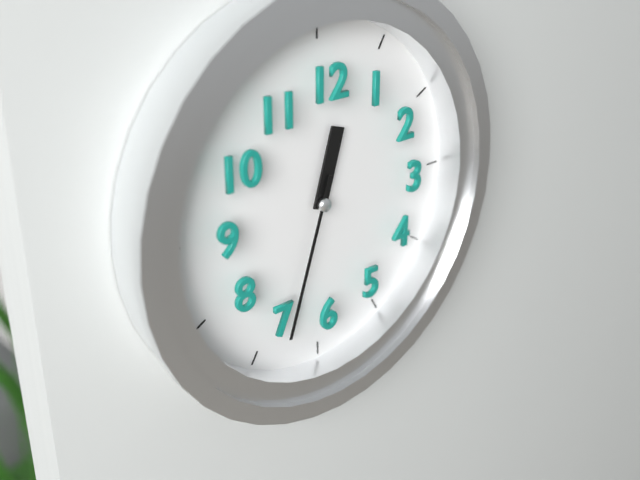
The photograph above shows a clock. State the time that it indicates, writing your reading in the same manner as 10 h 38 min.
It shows 12 h 33 min
